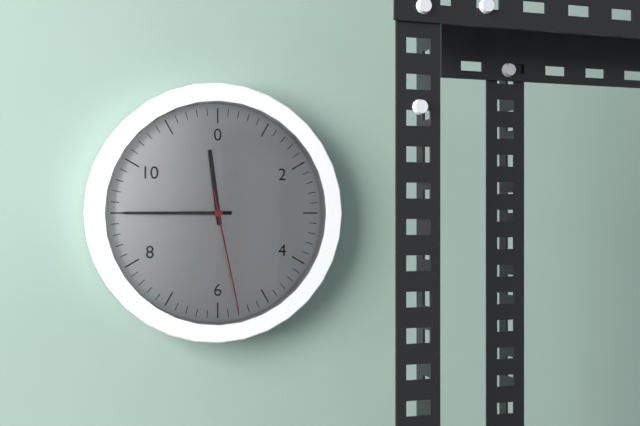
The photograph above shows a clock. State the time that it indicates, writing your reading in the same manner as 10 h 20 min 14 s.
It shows 11 h 45 min 28 s
